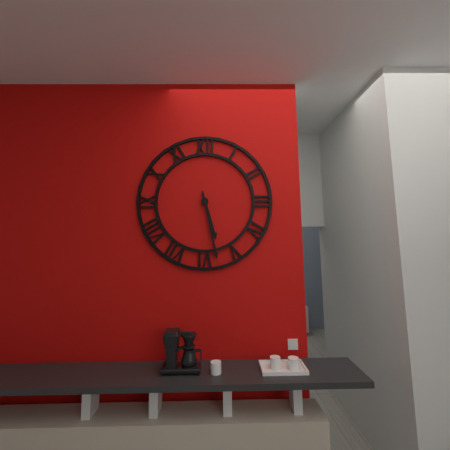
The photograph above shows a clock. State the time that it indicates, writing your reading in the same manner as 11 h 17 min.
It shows 5 h 28 min
